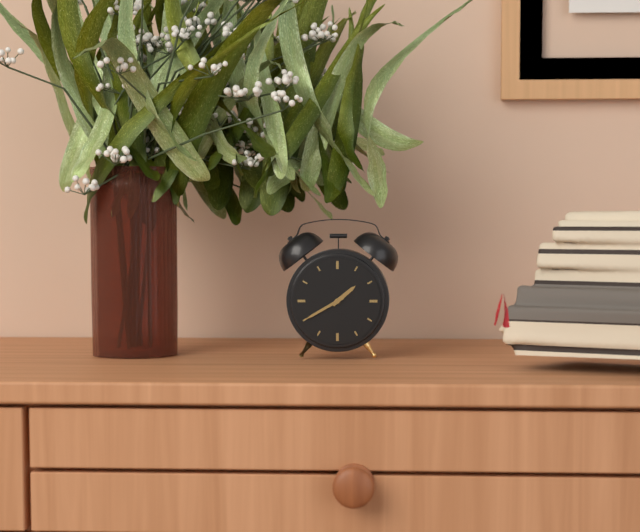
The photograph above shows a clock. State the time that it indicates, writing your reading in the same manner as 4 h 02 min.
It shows 1 h 40 min
